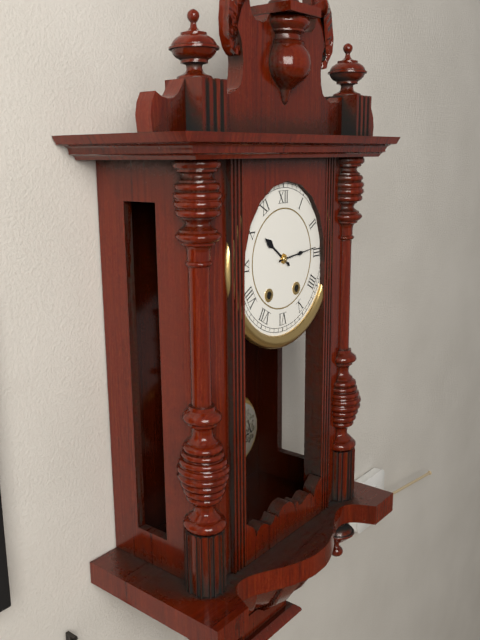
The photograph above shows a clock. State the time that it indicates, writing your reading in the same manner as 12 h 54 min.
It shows 10 h 14 min
